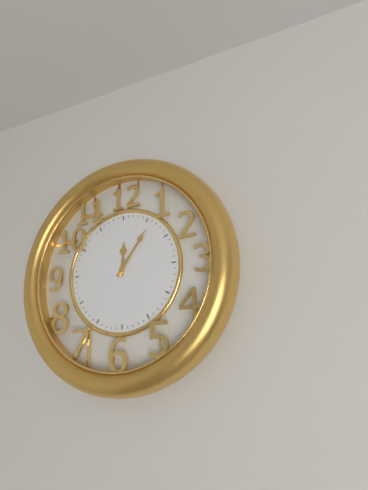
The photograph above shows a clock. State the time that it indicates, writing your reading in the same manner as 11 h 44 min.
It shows 12 h 06 min
